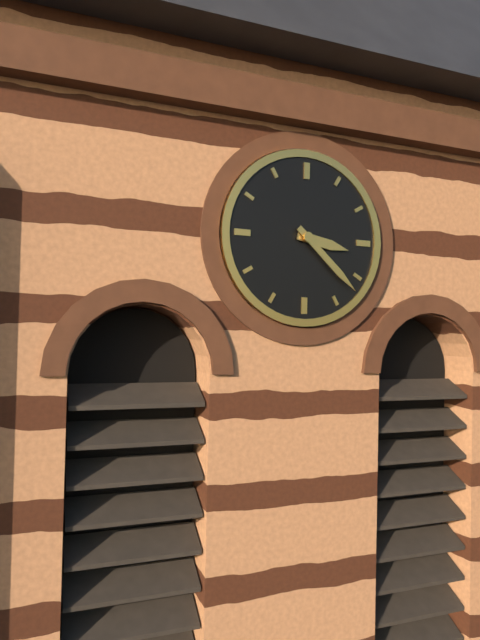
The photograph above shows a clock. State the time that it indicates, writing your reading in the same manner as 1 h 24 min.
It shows 3 h 22 min
